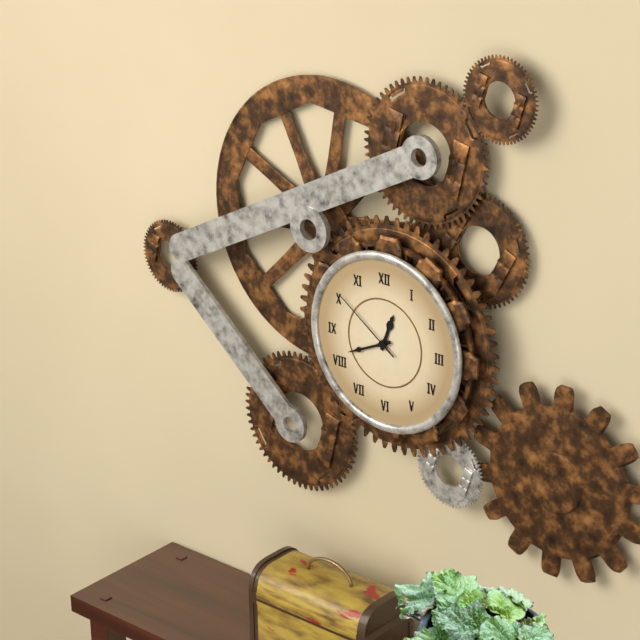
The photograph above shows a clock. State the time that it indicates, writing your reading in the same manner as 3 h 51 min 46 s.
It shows 12 h 41 min 51 s
